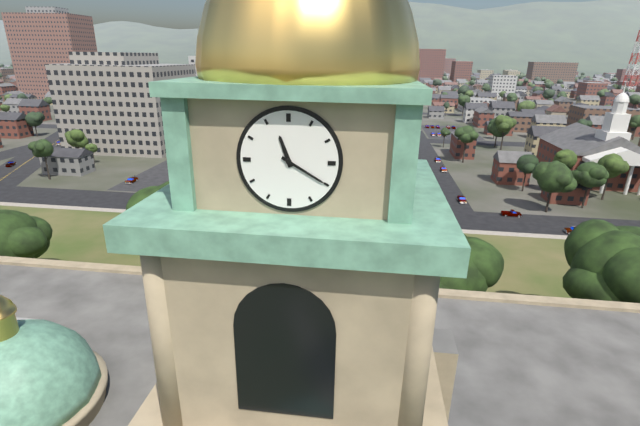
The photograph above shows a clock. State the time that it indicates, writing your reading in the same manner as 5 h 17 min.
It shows 11 h 20 min
